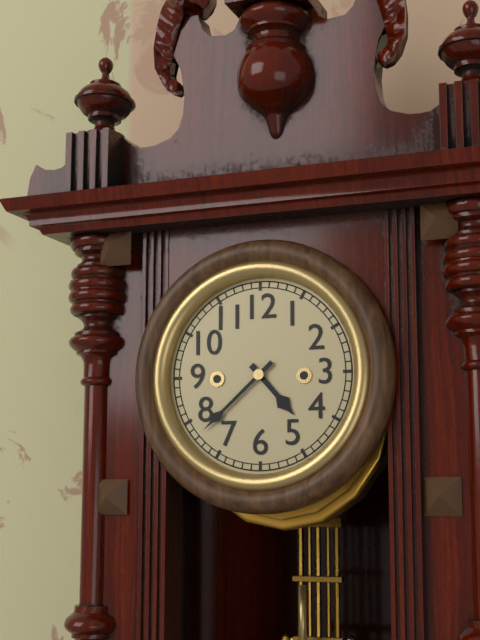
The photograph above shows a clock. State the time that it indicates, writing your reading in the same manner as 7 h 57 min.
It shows 4 h 38 min
